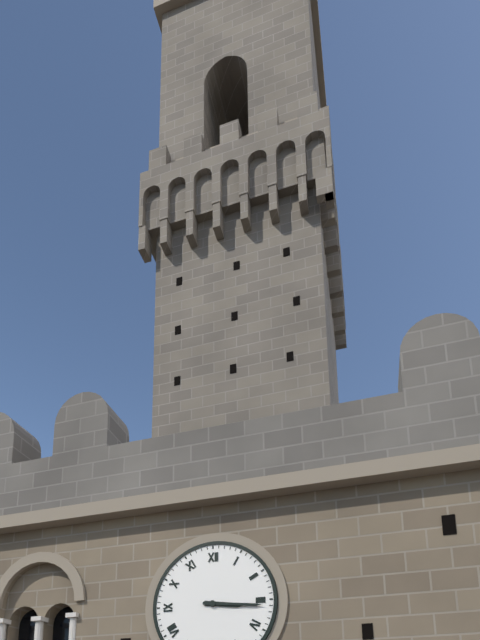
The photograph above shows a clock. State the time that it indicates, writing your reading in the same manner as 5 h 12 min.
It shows 3 h 16 min
